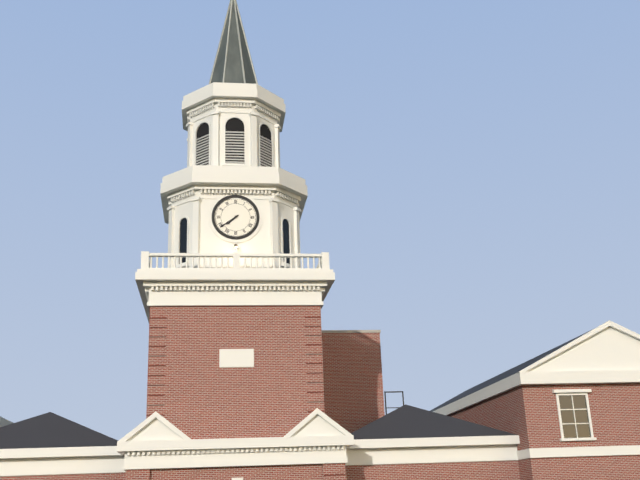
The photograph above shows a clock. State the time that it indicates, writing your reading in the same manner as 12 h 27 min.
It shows 7 h 39 min
